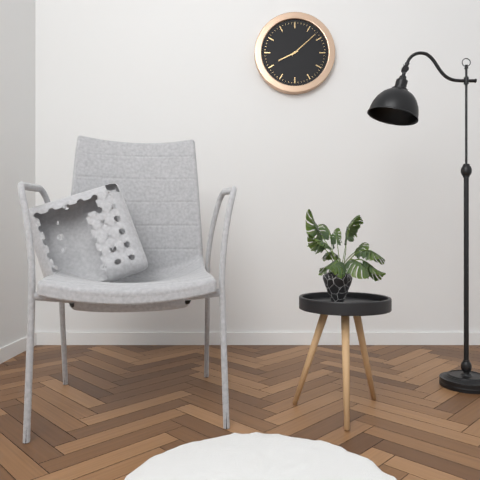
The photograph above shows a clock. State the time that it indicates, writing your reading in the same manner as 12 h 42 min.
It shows 8 h 08 min
